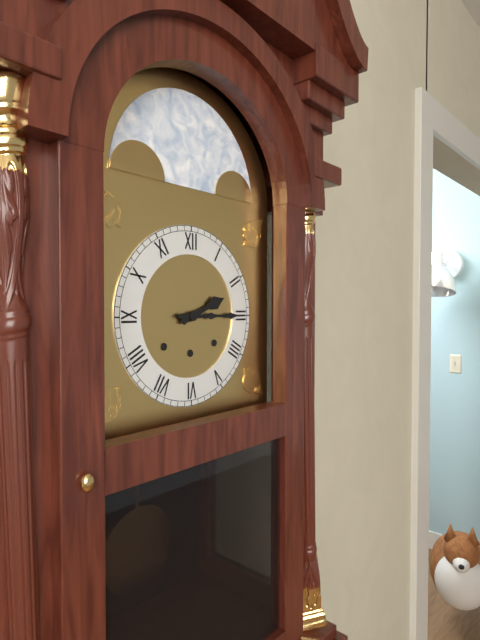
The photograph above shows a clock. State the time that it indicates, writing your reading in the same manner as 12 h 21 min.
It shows 2 h 15 min
